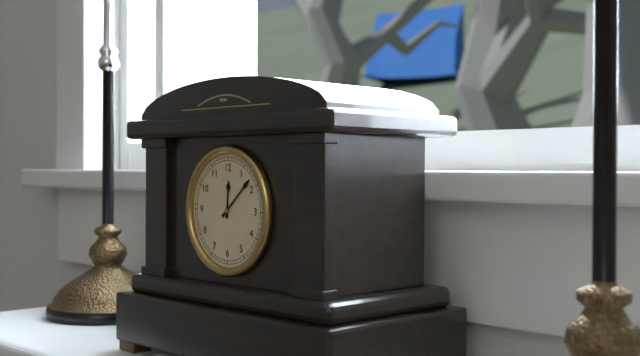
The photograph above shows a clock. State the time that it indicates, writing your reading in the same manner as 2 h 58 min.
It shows 12 h 08 min
